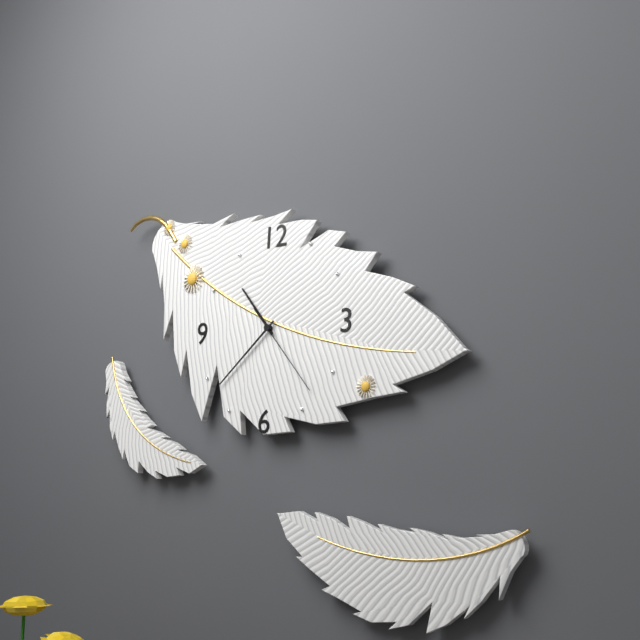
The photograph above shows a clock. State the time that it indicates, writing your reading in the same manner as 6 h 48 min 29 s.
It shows 10 h 38 min 23 s
